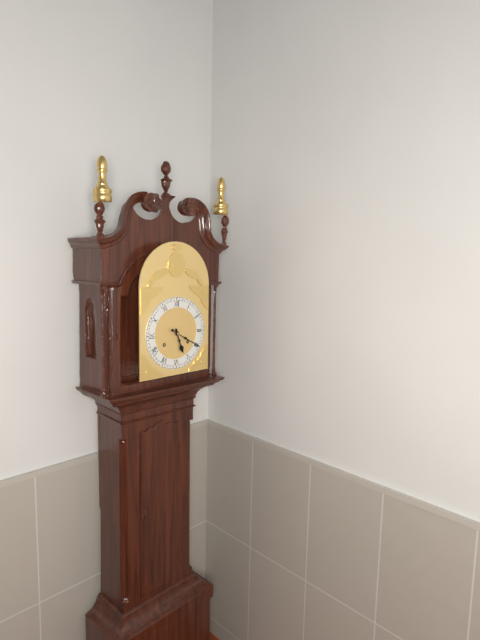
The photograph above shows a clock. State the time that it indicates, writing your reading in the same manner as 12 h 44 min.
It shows 5 h 20 min
